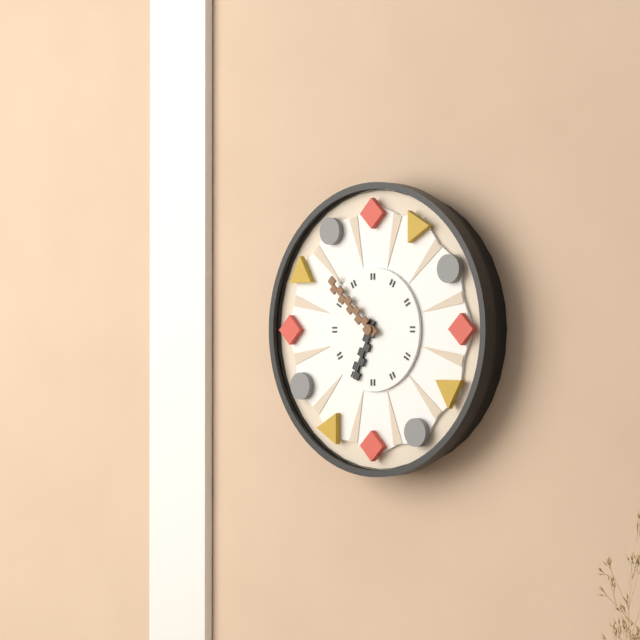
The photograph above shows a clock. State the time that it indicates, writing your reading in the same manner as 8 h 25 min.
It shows 6 h 52 min
